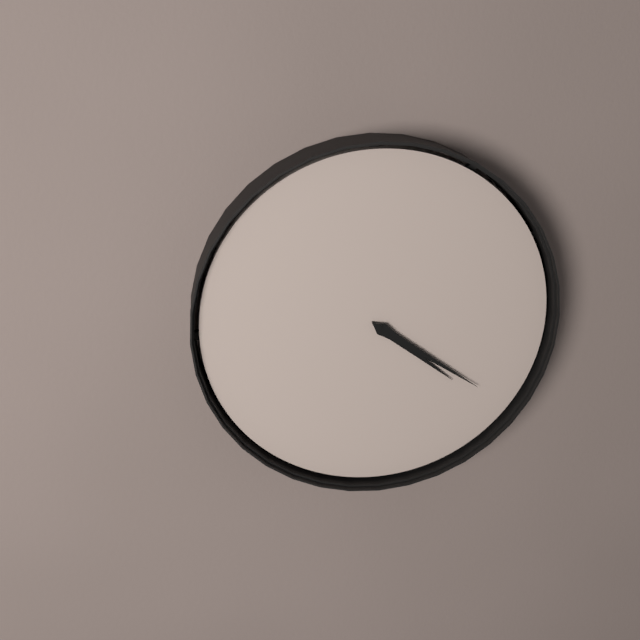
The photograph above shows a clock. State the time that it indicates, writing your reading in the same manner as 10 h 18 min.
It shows 4 h 21 min
